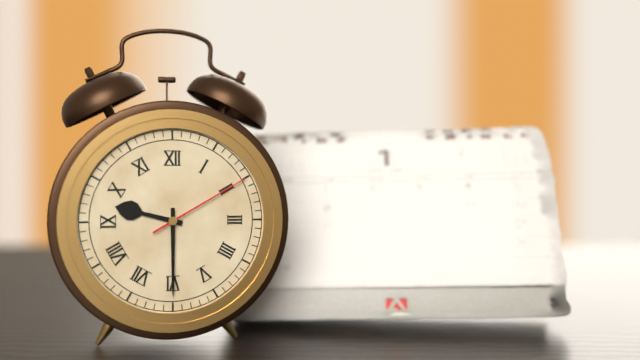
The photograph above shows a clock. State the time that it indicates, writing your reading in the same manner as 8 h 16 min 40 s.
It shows 9 h 30 min 10 s
